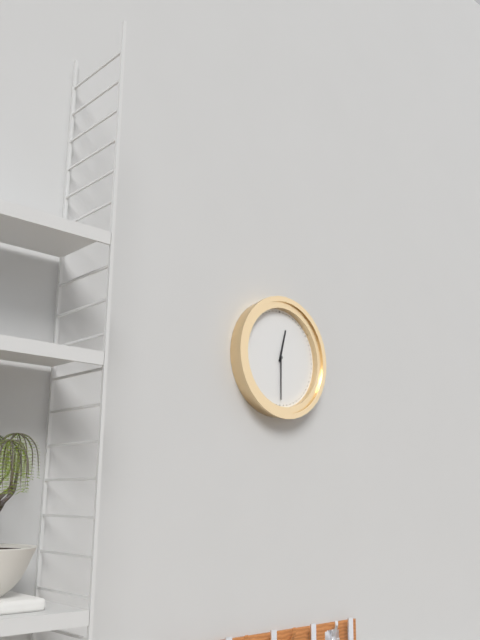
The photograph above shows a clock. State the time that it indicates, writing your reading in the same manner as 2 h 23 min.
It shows 12 h 30 min
